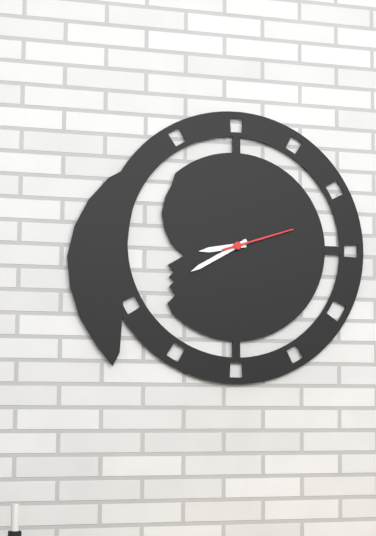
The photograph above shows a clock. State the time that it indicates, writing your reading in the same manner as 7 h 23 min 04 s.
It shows 8 h 40 min 12 s
